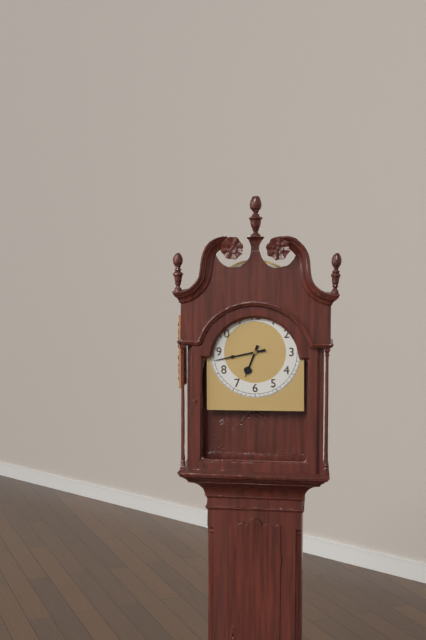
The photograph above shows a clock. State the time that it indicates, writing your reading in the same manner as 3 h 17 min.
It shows 6 h 43 min
